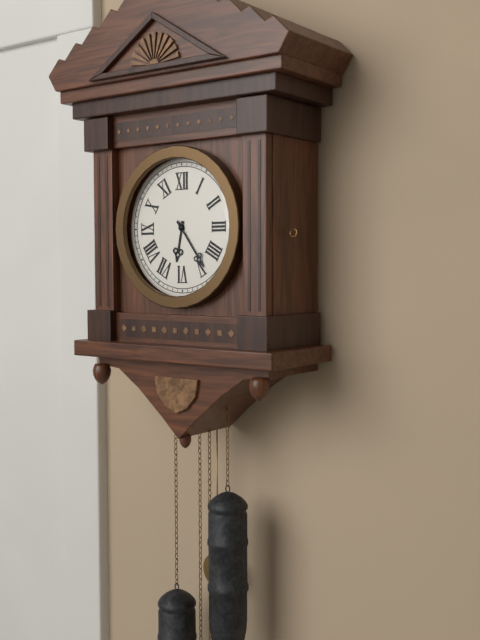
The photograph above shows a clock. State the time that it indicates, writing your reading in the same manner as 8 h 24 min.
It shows 6 h 24 min
